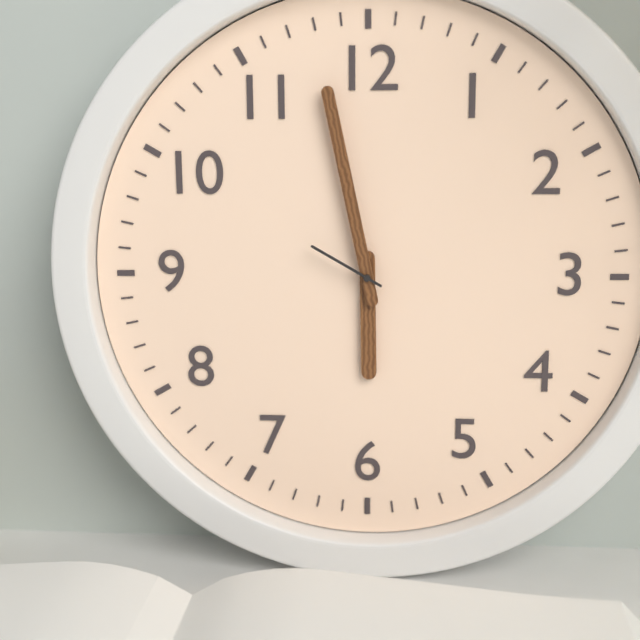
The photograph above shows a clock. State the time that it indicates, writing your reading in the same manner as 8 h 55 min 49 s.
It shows 5 h 58 min 50 s
